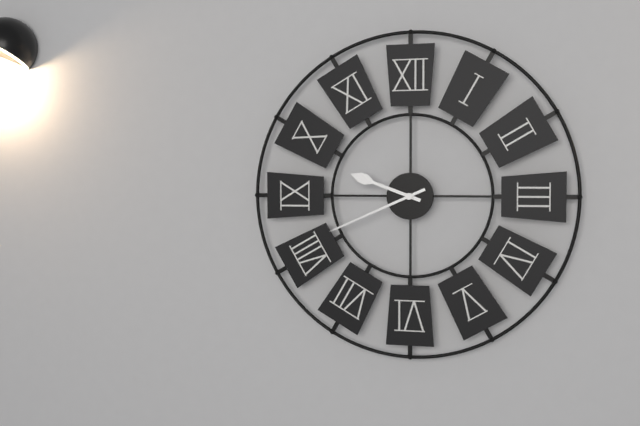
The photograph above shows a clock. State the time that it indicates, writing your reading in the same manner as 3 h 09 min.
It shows 9 h 41 min
